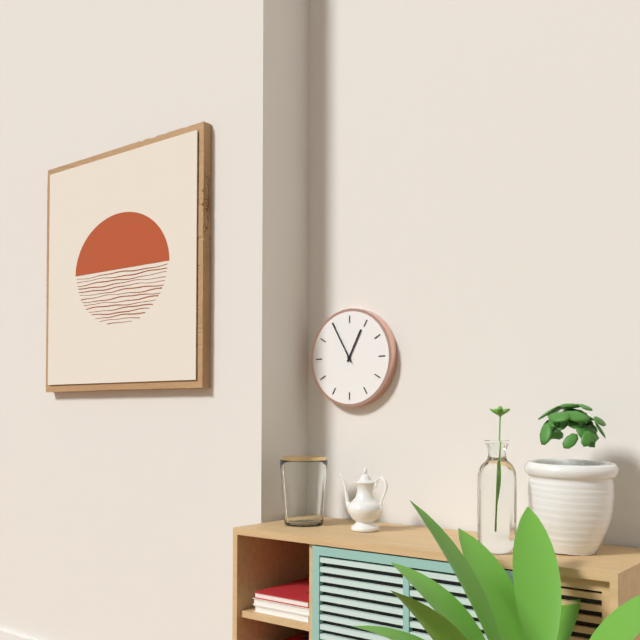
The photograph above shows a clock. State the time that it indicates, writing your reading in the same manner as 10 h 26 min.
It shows 12 h 55 min
